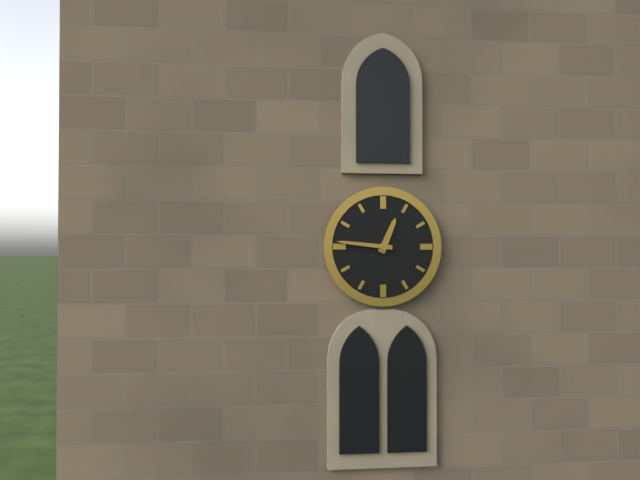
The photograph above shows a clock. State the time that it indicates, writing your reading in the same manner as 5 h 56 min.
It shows 12 h 46 min
